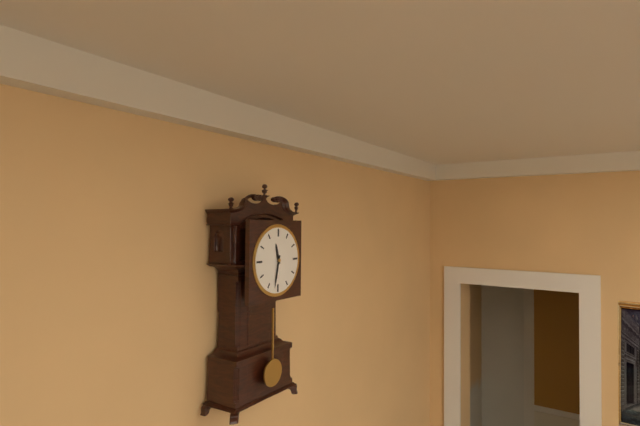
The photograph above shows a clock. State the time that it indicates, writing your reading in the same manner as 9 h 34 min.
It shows 11 h 32 min
